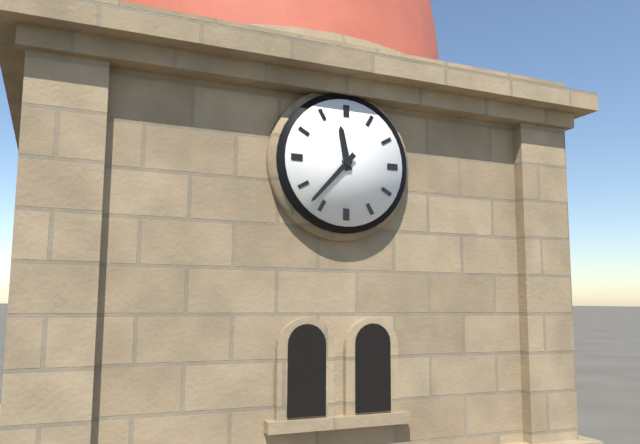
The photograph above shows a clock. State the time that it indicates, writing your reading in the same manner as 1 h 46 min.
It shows 11 h 37 min
